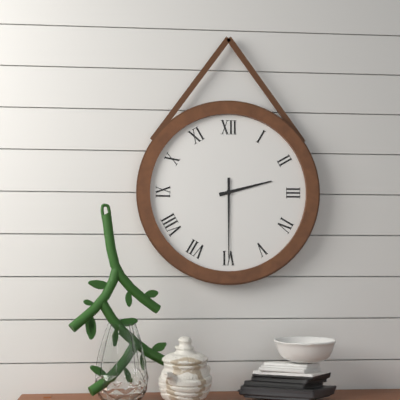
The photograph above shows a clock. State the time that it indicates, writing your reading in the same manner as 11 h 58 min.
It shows 2 h 30 min
